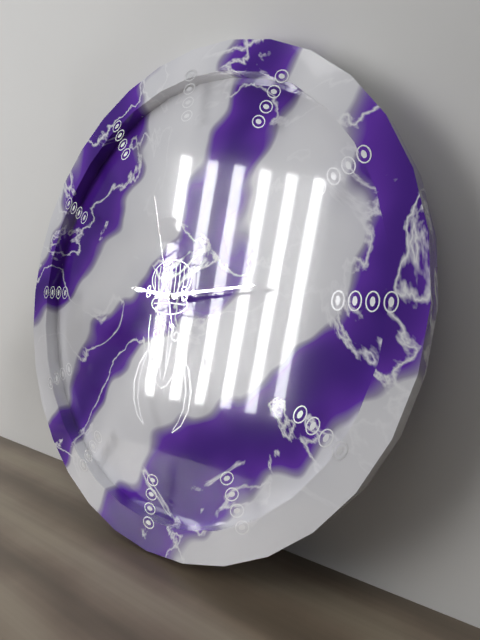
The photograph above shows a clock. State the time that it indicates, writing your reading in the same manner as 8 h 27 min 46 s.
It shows 9 h 14 min 57 s
